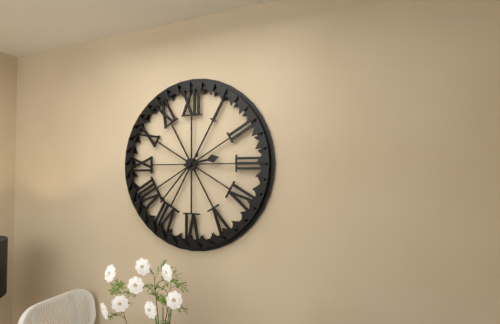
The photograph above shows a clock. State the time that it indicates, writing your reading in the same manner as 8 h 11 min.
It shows 2 h 37 min
